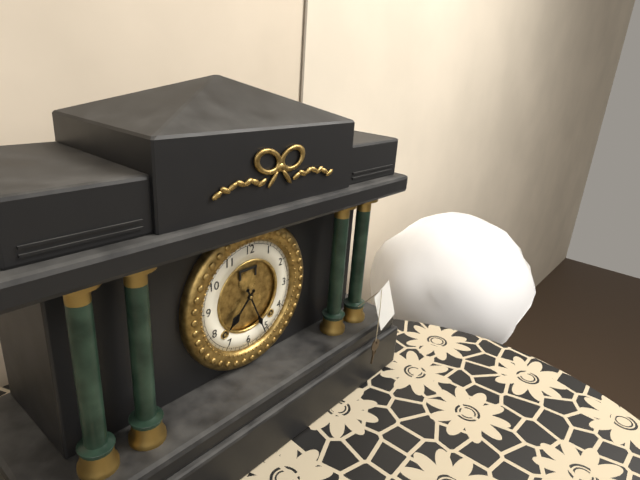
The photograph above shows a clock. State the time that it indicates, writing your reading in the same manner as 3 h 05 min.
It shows 7 h 26 min
